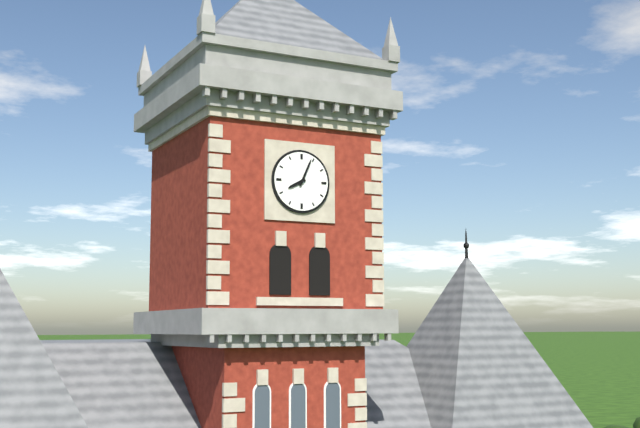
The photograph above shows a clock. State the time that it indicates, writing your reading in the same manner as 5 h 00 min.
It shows 8 h 04 min
